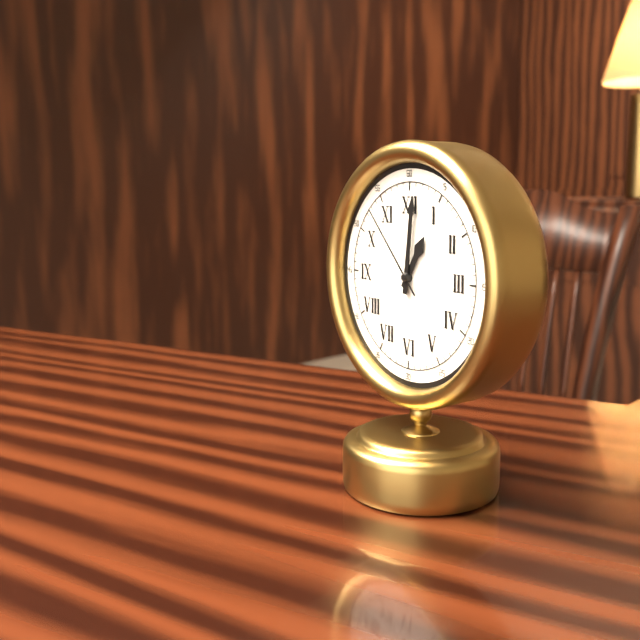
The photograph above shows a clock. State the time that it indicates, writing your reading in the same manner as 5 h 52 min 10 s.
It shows 1 h 01 min 53 s
